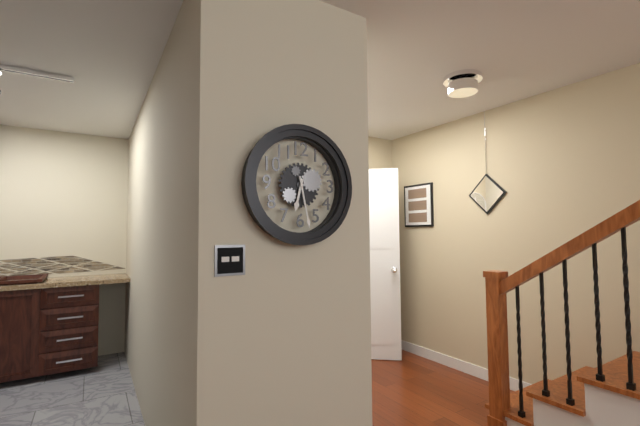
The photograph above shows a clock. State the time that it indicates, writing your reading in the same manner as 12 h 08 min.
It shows 6 h 28 min
